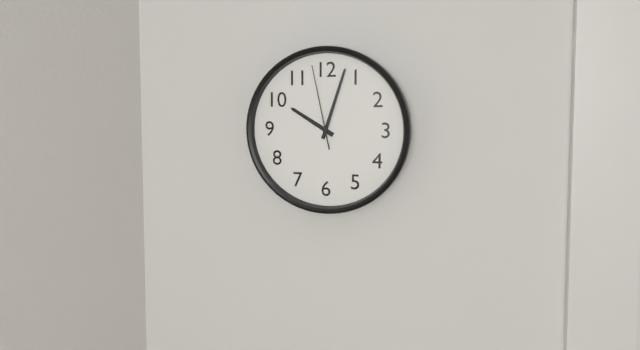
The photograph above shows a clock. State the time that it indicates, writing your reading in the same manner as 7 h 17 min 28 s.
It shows 10 h 03 min 58 s
